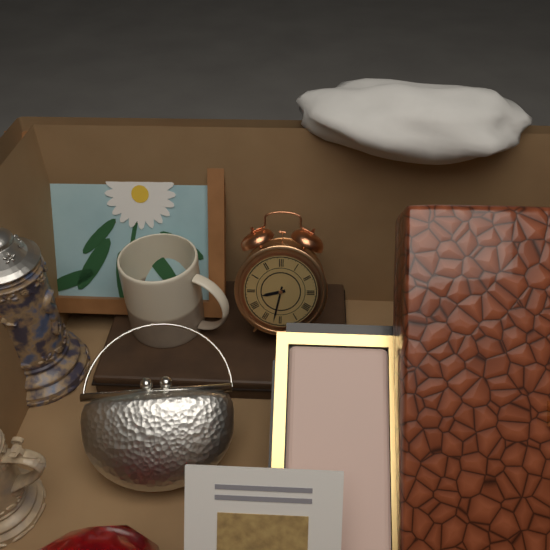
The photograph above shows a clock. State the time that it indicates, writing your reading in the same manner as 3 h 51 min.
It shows 8 h 32 min
